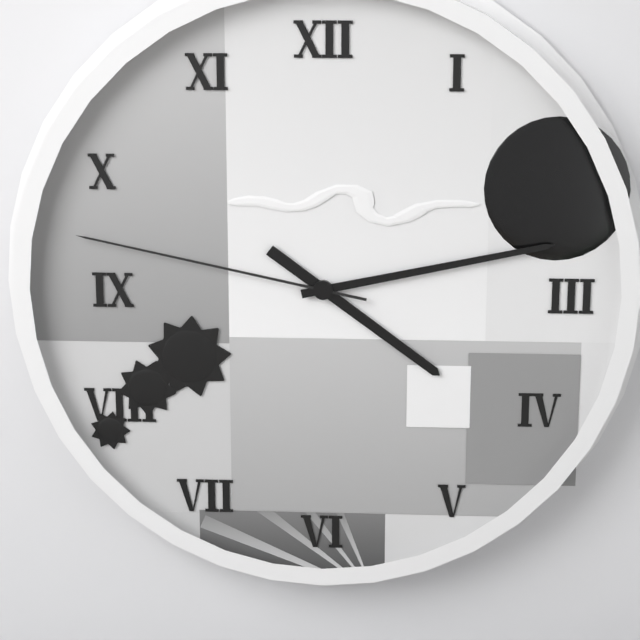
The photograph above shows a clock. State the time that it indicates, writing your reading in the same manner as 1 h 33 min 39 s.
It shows 4 h 13 min 47 s
